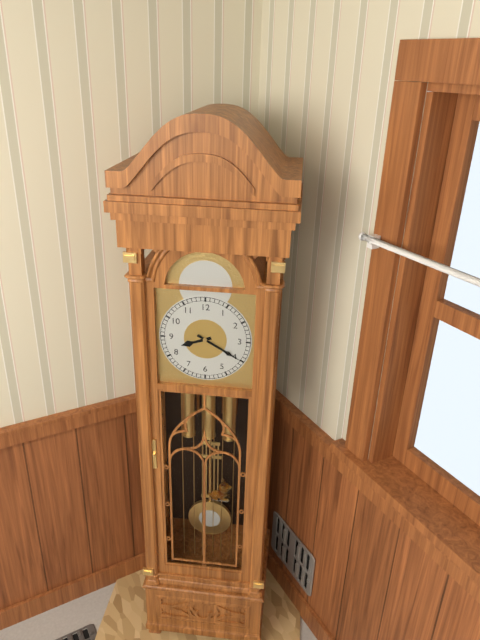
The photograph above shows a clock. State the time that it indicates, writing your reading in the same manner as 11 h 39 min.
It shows 8 h 20 min
